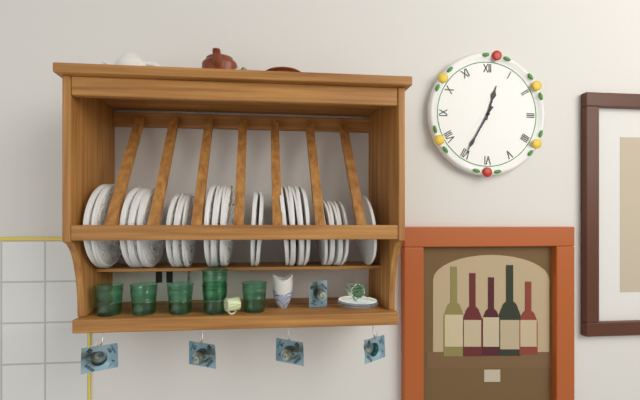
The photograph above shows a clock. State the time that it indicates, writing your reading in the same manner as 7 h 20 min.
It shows 12 h 35 min
